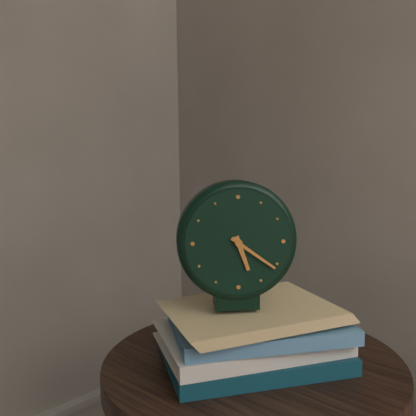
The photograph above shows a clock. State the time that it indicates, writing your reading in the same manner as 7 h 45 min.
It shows 5 h 21 min
